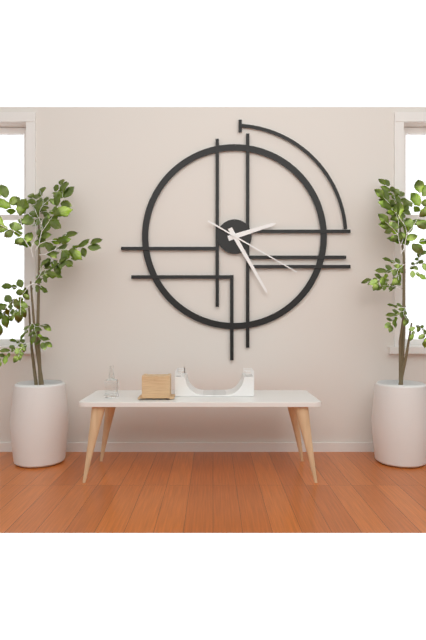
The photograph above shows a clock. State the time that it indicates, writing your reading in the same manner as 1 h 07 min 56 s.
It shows 2 h 25 min 20 s
